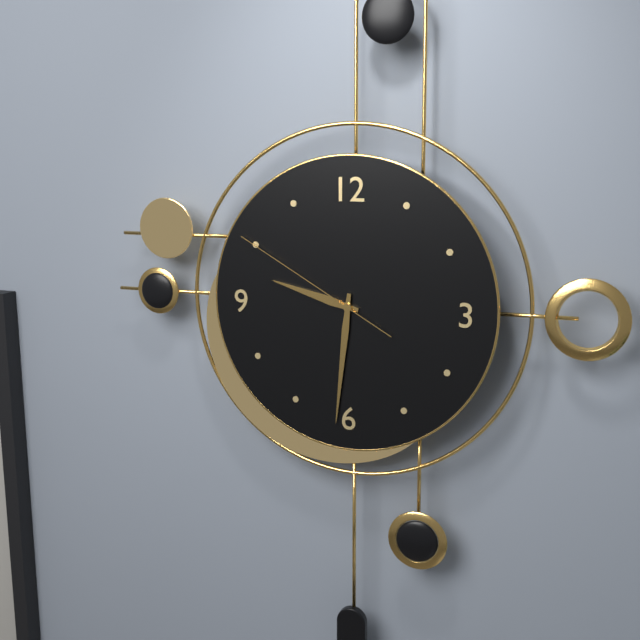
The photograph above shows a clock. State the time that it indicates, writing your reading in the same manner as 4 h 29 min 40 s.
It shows 9 h 31 min 50 s
